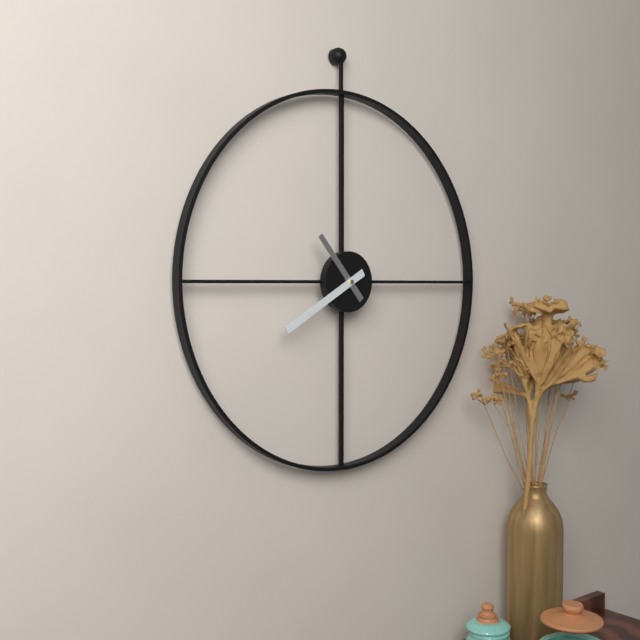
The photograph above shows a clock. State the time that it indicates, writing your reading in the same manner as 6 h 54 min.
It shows 10 h 40 min
